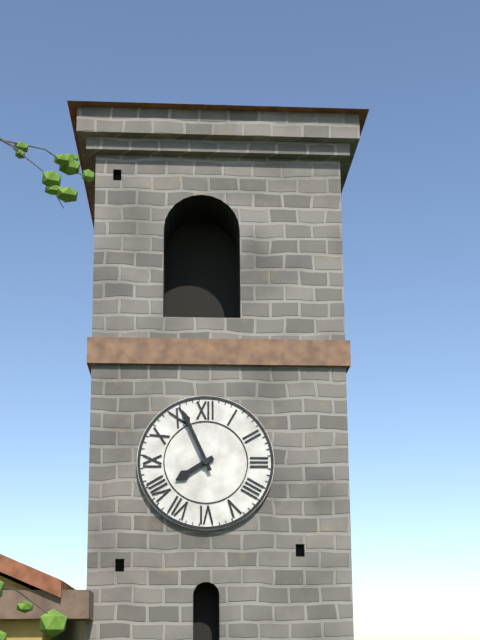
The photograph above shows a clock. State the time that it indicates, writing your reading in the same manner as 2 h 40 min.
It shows 7 h 56 min
